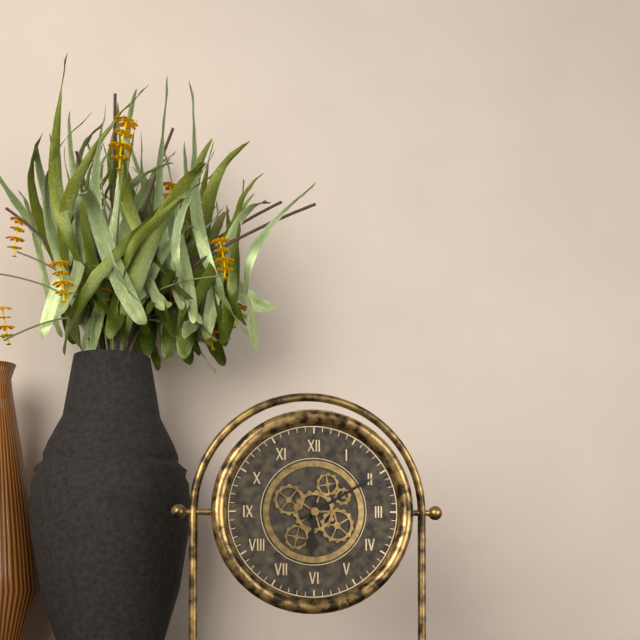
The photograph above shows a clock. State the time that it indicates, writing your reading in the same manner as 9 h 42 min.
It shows 6 h 10 min
